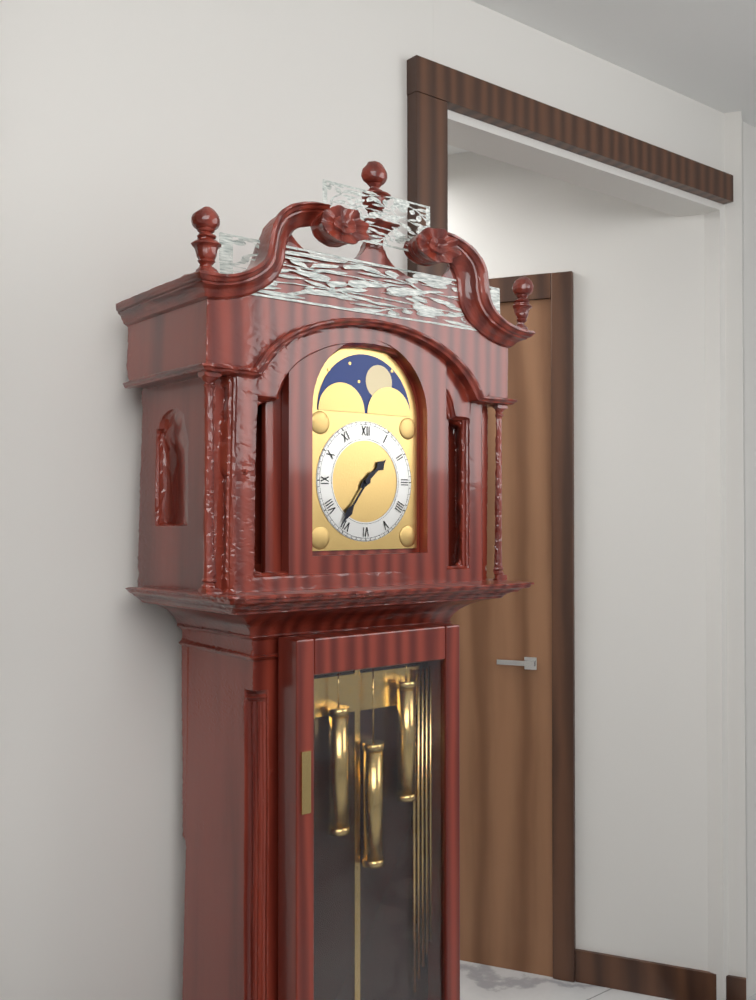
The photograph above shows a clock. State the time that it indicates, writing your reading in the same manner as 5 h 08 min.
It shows 1 h 36 min
